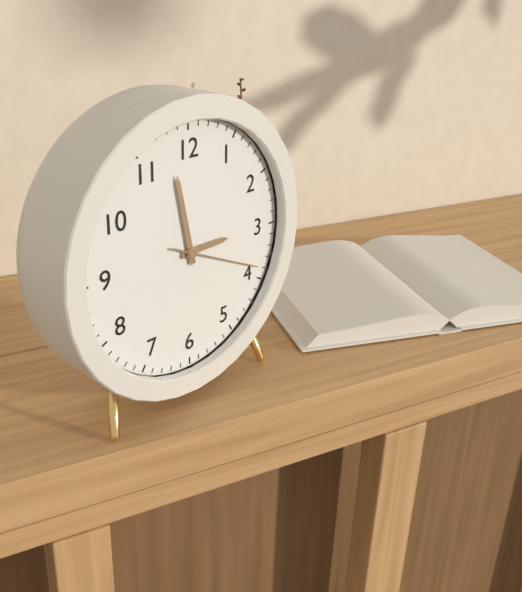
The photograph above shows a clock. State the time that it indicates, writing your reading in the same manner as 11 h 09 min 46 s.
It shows 2 h 58 min 19 s
